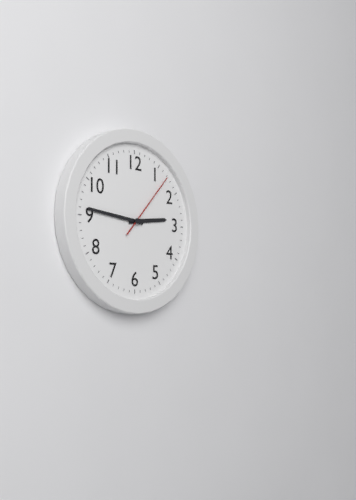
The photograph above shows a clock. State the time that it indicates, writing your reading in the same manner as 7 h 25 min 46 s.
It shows 2 h 46 min 07 s
